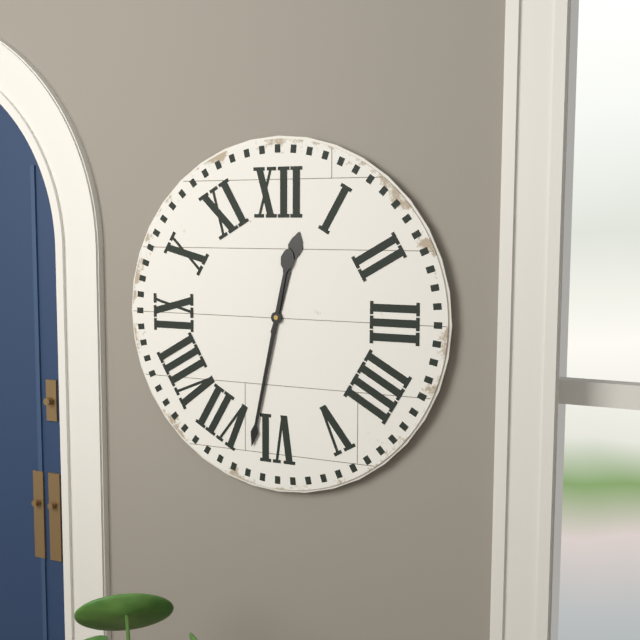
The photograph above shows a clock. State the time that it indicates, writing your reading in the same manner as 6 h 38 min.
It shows 12 h 32 min
